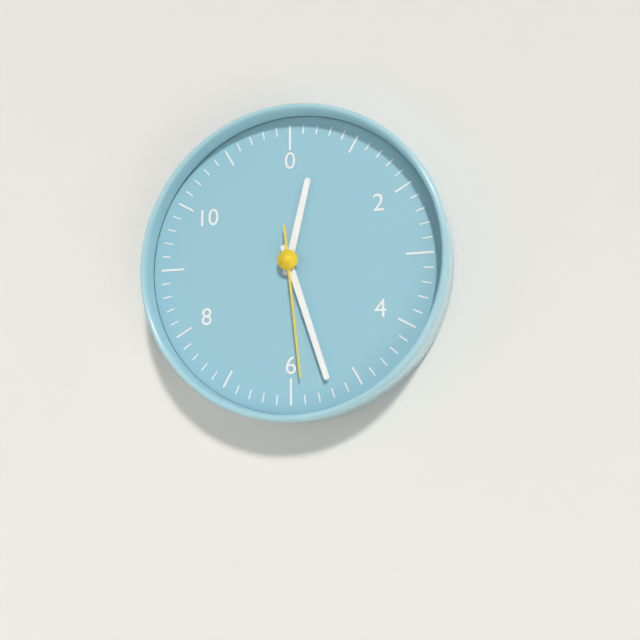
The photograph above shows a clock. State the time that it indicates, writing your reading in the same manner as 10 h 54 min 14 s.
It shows 12 h 27 min 29 s
